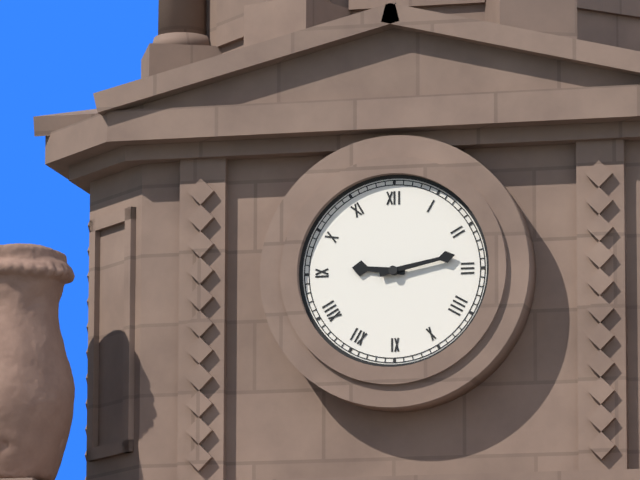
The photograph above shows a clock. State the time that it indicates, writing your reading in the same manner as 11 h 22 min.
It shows 9 h 13 min
